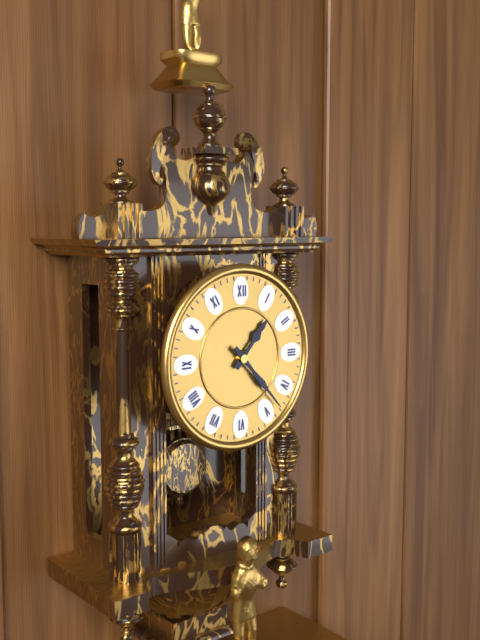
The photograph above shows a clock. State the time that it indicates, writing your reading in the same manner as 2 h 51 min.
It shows 1 h 23 min
